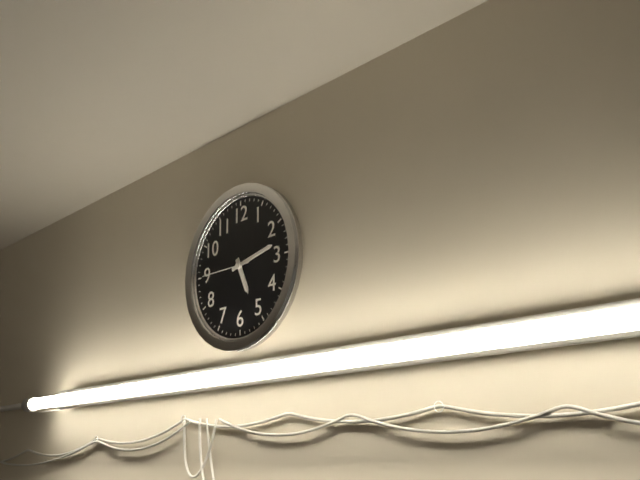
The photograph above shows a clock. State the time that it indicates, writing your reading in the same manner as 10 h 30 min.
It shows 5 h 13 min
